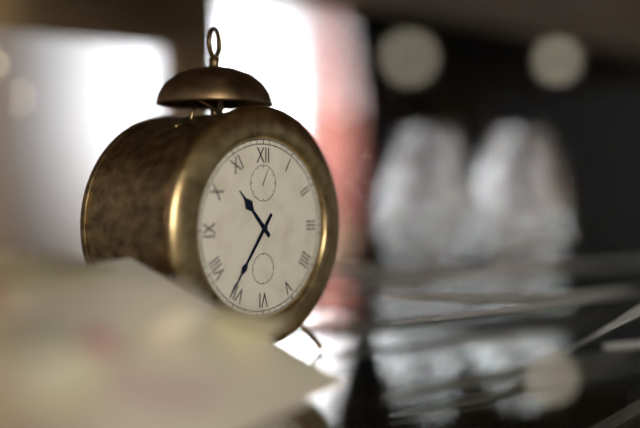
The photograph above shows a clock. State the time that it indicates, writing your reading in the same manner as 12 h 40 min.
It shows 10 h 36 min
